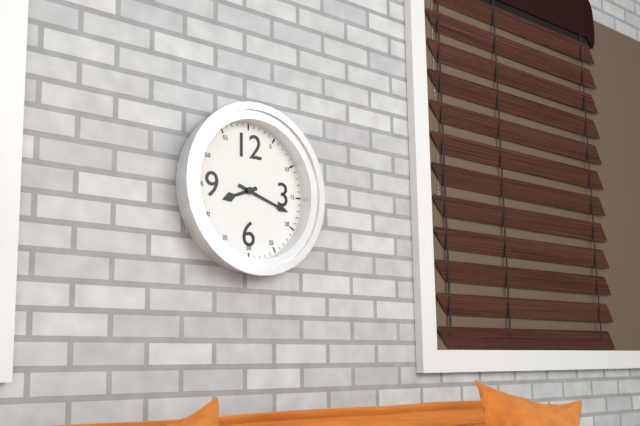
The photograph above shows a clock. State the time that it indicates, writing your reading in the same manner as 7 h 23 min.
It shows 8 h 18 min
